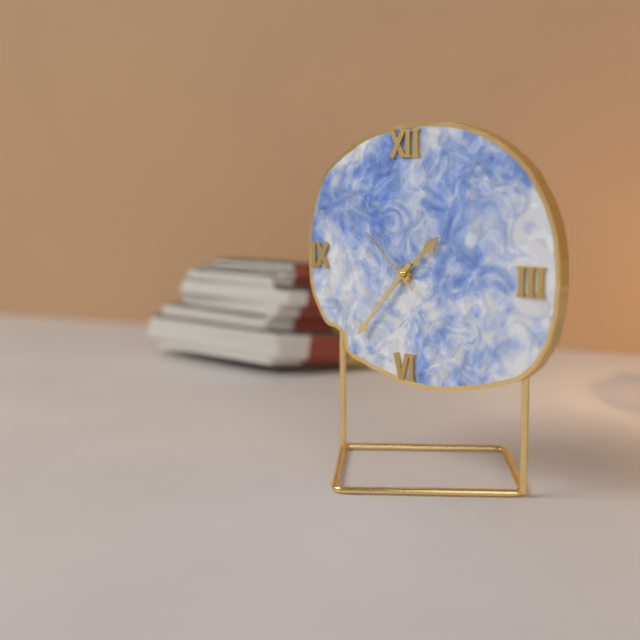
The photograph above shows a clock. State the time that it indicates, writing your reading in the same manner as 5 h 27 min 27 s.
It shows 1 h 37 min 52 s
